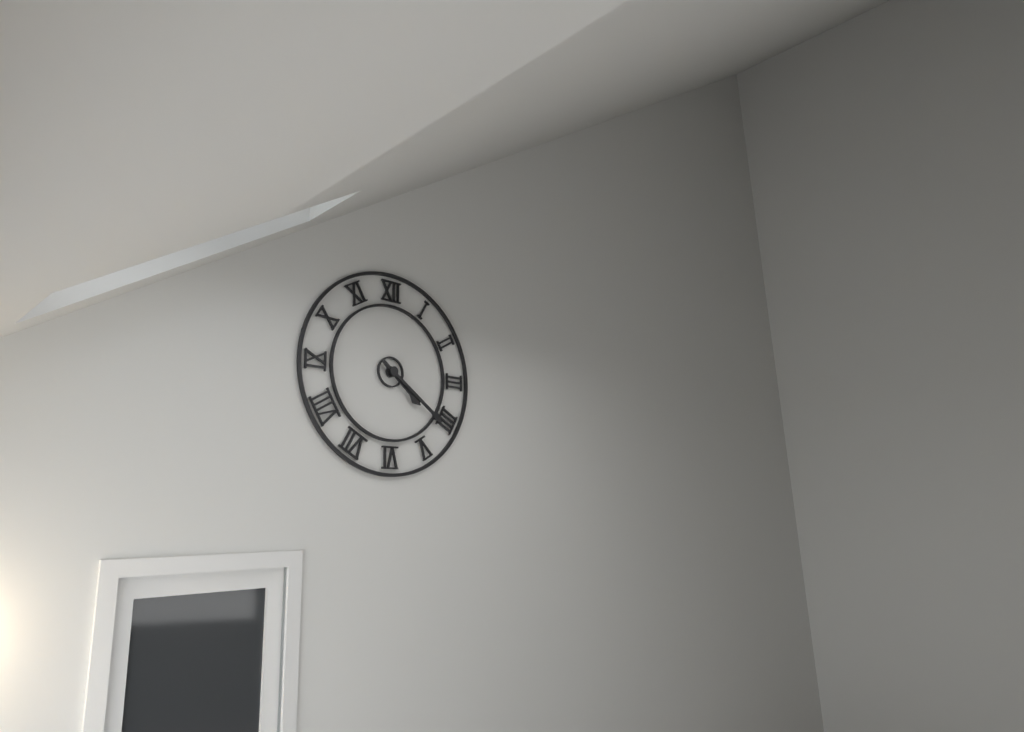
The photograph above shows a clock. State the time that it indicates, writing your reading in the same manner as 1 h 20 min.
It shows 4 h 21 min
